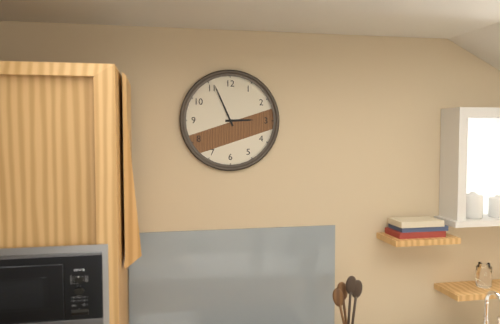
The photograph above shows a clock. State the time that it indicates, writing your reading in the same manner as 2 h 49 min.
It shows 2 h 56 min
